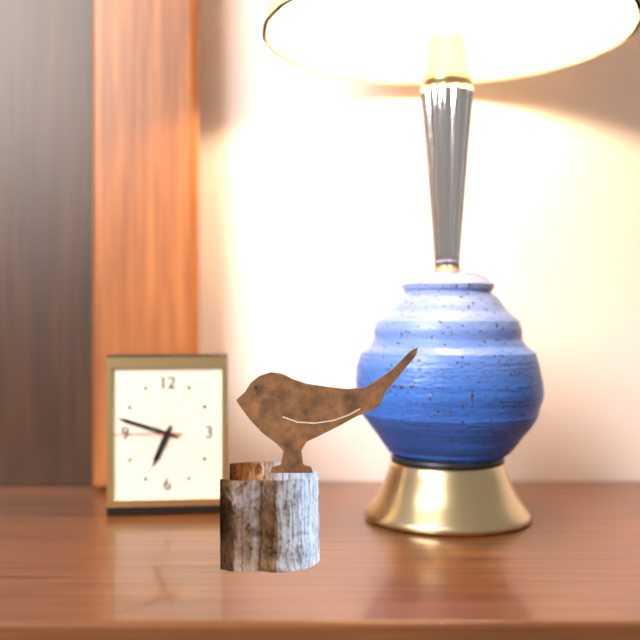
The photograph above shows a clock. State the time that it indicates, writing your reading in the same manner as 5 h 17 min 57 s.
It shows 6 h 48 min 45 s
